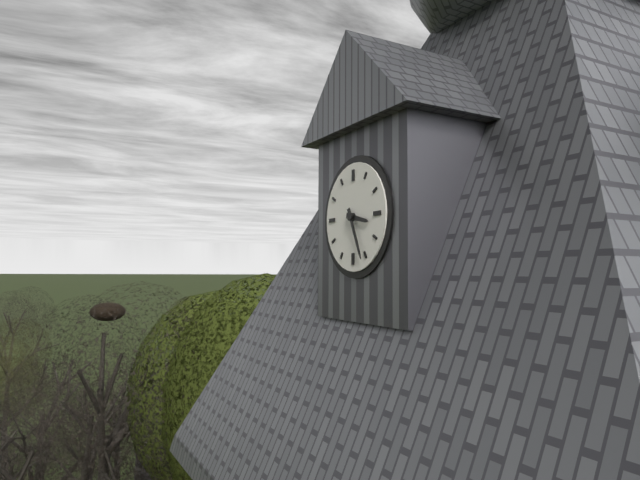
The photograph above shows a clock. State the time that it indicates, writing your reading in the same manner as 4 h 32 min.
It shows 3 h 26 min
